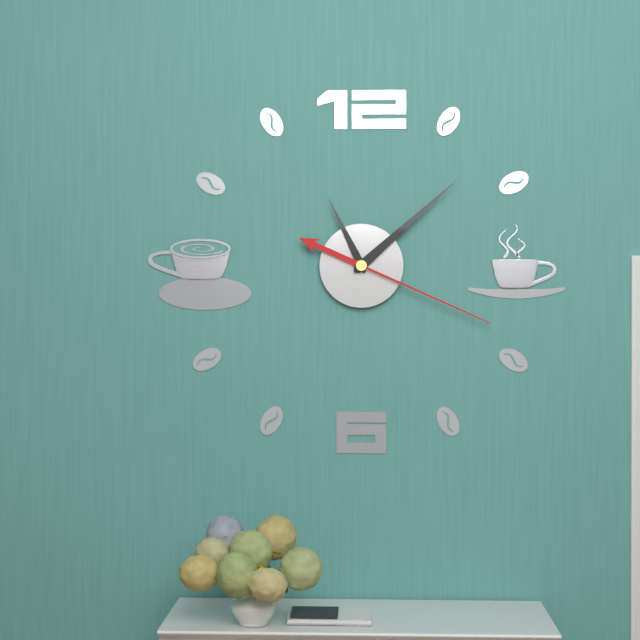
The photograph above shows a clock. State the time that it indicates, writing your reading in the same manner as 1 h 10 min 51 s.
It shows 11 h 08 min 19 s
